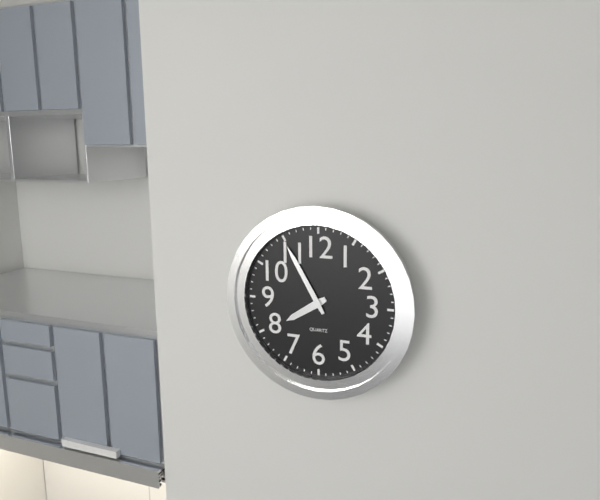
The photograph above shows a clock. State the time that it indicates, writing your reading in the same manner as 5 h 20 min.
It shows 7 h 55 min
